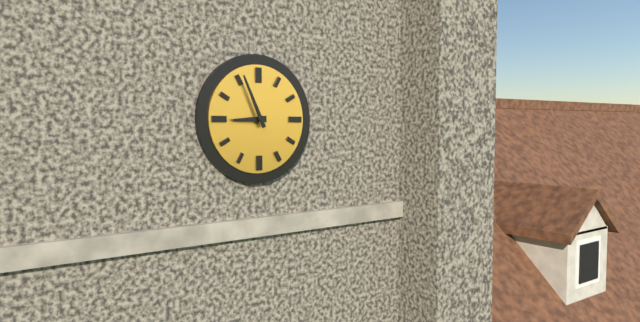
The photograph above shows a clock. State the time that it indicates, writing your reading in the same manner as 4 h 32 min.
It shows 8 h 56 min
